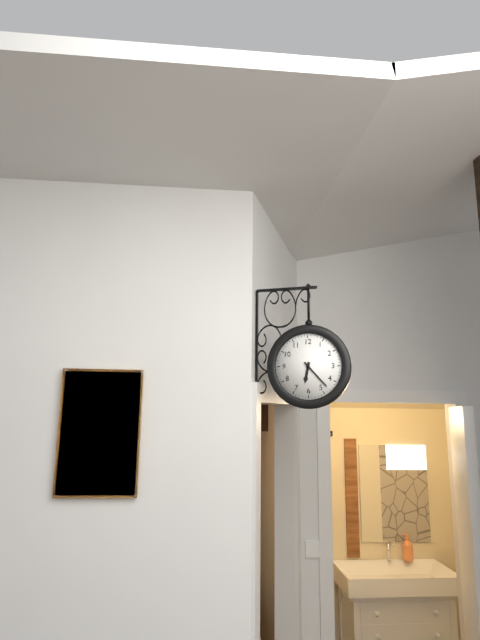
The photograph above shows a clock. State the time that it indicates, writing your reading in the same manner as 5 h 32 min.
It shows 6 h 23 min
